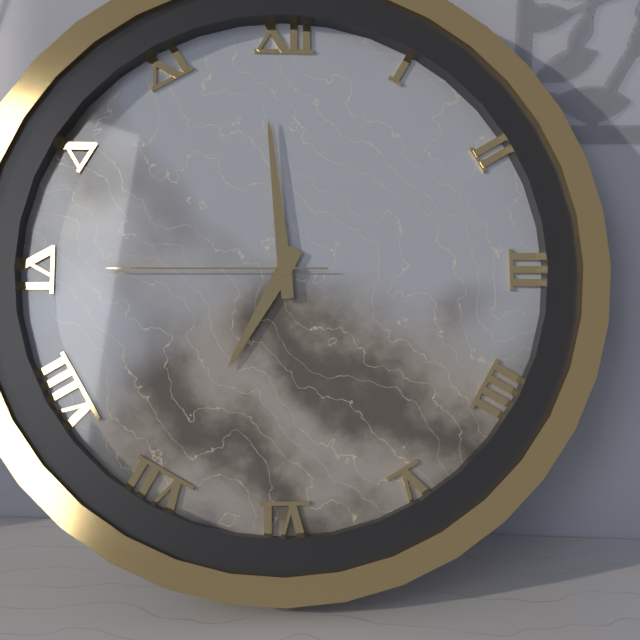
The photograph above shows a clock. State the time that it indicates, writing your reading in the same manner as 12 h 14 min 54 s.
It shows 6 h 59 min 45 s
